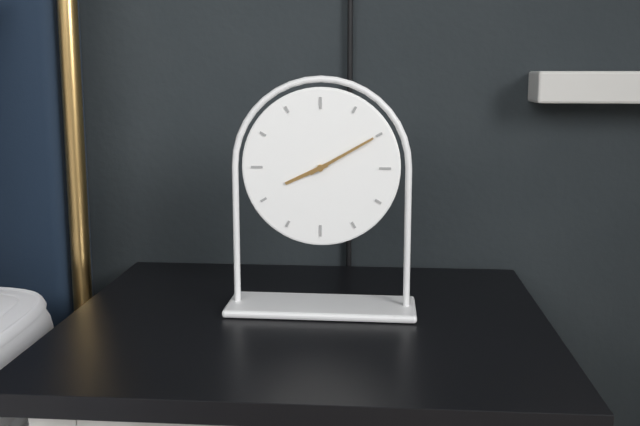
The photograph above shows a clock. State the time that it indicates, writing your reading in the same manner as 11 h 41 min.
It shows 8 h 10 min
